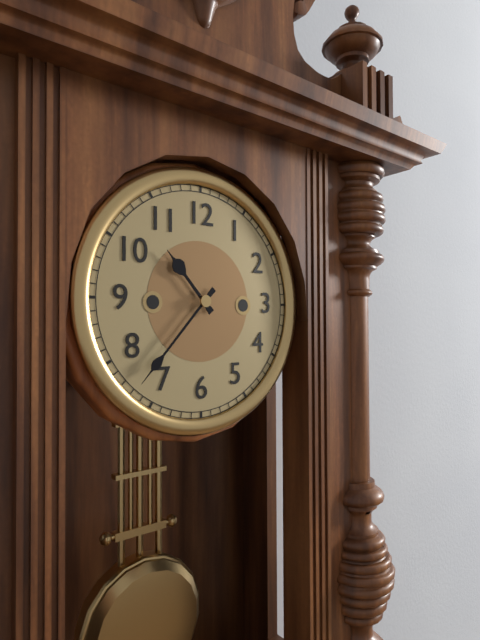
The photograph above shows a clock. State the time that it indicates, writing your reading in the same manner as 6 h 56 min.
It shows 10 h 37 min
